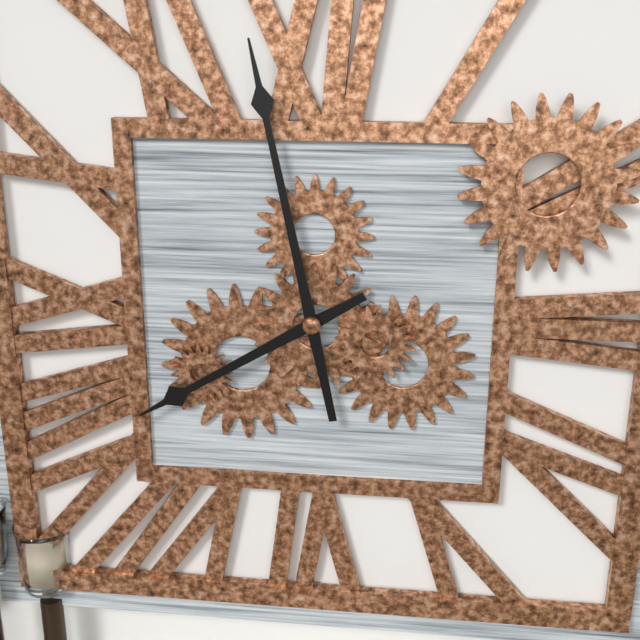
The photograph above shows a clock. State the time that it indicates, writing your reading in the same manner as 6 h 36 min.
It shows 7 h 58 min
